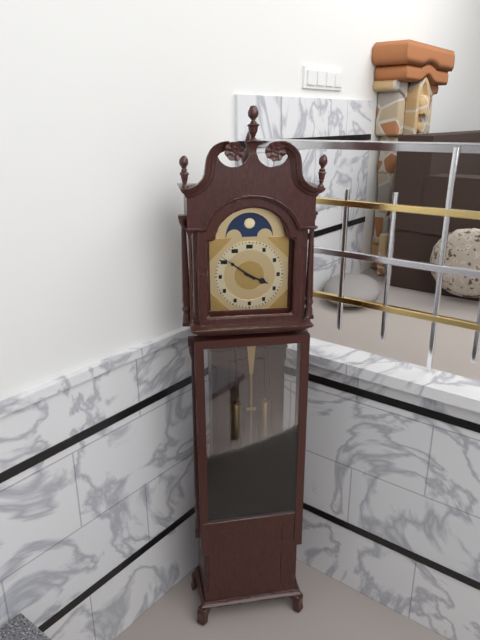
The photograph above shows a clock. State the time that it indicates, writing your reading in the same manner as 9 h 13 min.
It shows 3 h 51 min
